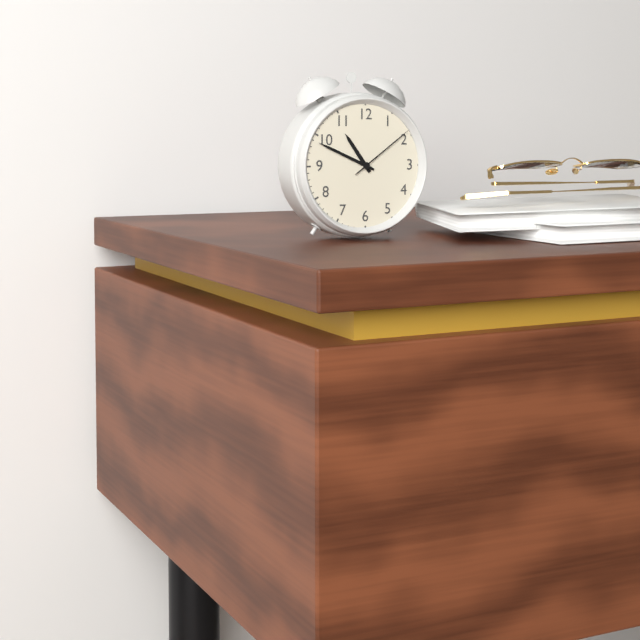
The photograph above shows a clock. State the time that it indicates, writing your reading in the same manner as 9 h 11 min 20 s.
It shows 10 h 49 min 09 s
